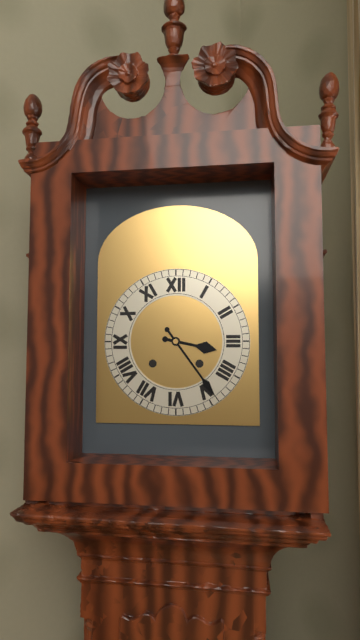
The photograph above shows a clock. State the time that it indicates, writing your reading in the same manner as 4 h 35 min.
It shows 3 h 24 min
